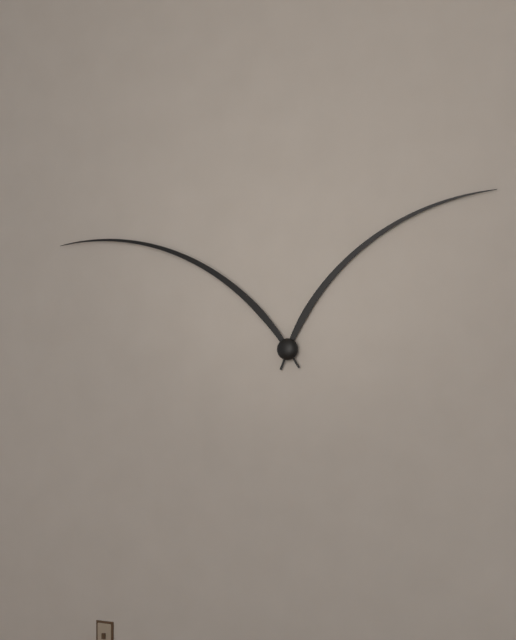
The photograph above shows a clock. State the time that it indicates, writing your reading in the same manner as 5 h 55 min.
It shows 1 h 49 min
